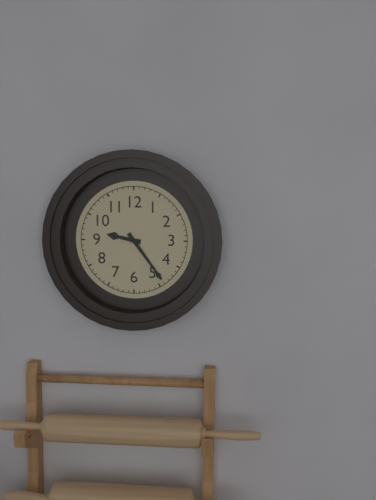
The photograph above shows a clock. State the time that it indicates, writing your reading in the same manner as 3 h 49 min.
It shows 9 h 24 min
